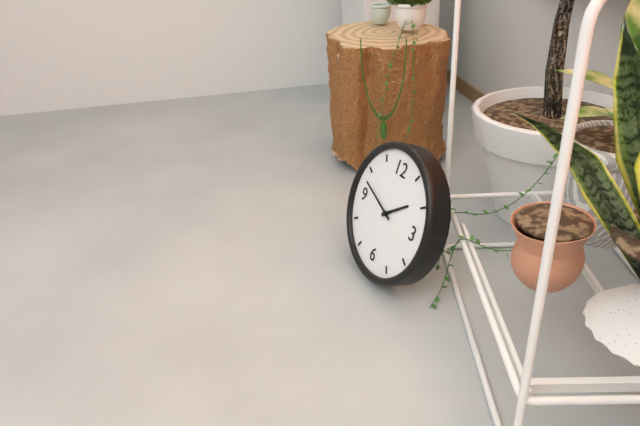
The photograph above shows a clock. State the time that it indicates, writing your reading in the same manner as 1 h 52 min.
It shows 1 h 48 min
